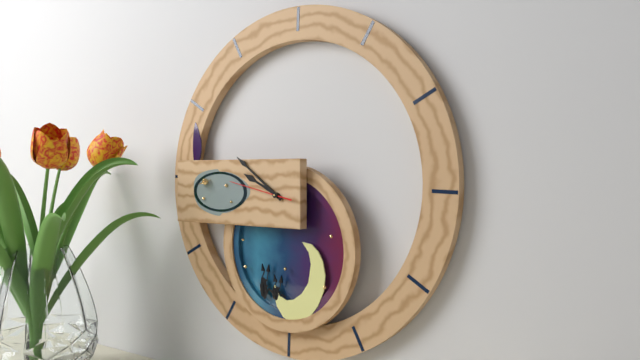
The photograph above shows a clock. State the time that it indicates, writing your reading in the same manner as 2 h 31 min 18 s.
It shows 9 h 51 min 47 s
